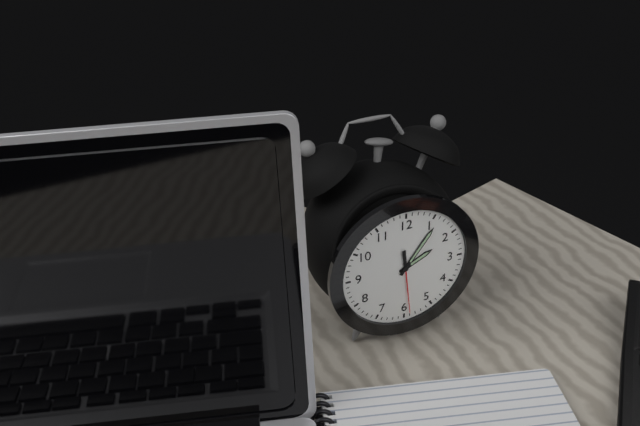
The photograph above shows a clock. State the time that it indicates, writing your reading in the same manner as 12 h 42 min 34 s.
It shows 2 h 06 min 29 s
